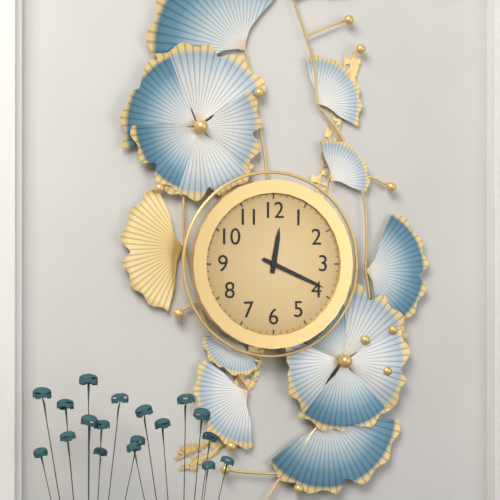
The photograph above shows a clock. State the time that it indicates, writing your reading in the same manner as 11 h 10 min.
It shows 12 h 19 min
